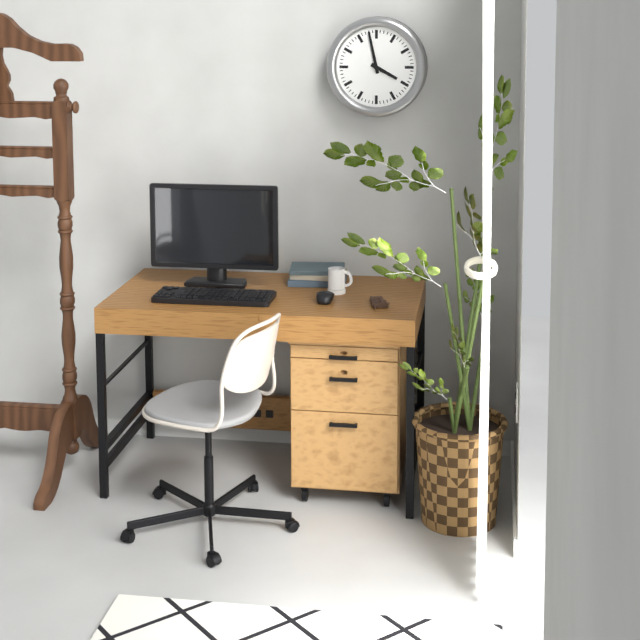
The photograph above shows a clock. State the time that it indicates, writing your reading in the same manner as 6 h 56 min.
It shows 3 h 58 min
